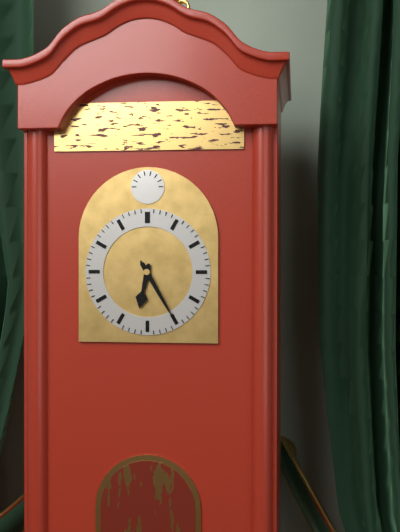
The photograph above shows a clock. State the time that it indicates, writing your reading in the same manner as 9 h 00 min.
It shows 6 h 25 min
